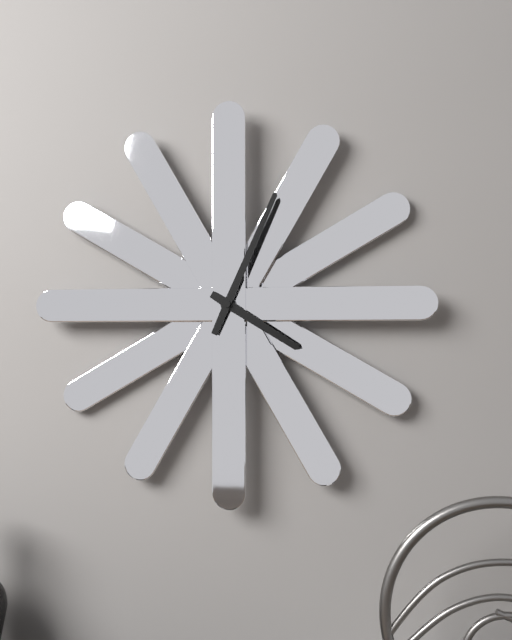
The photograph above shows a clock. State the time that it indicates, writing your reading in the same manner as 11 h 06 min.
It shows 4 h 04 min
